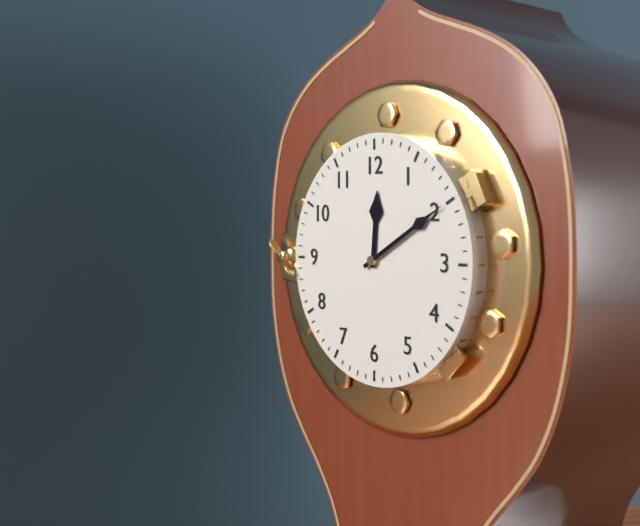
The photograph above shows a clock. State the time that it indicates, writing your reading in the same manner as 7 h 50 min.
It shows 12 h 10 min
